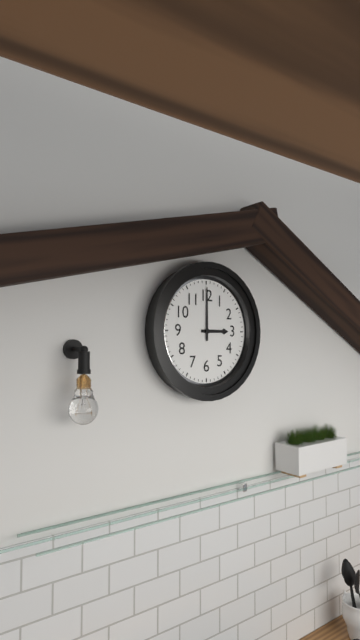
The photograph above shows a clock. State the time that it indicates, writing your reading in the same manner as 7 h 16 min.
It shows 3 h 00 min
